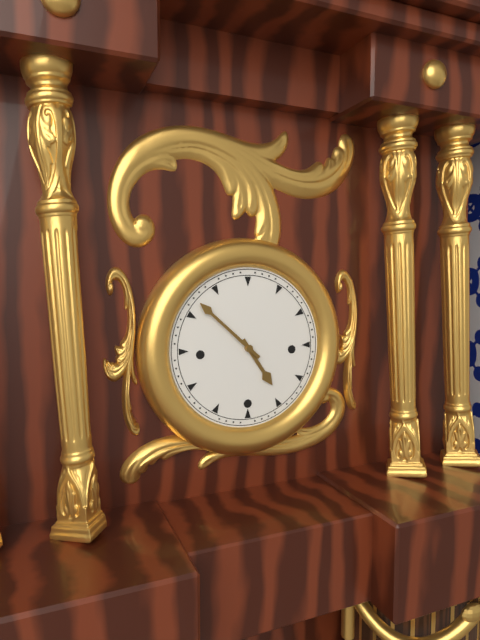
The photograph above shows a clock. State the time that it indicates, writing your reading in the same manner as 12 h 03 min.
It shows 4 h 52 min
